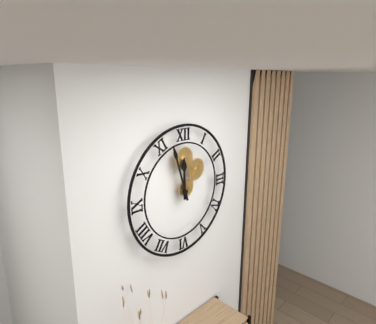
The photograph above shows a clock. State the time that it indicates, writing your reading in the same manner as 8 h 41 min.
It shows 11 h 57 min
